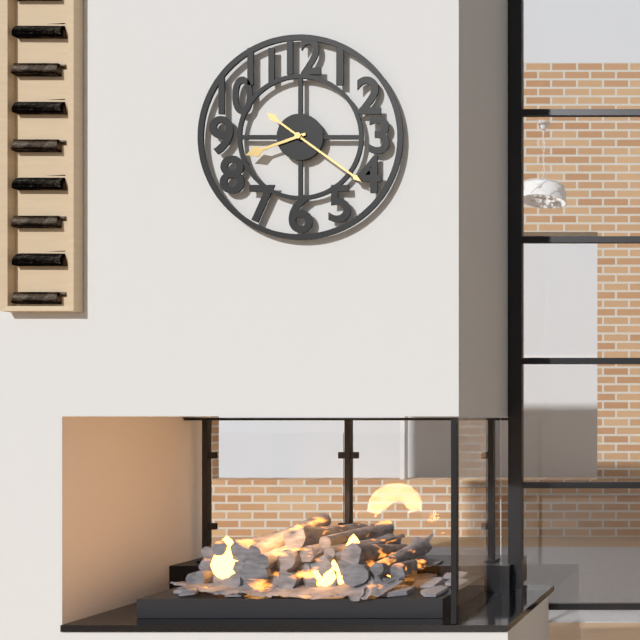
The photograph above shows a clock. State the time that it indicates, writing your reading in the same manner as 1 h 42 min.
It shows 8 h 21 min
